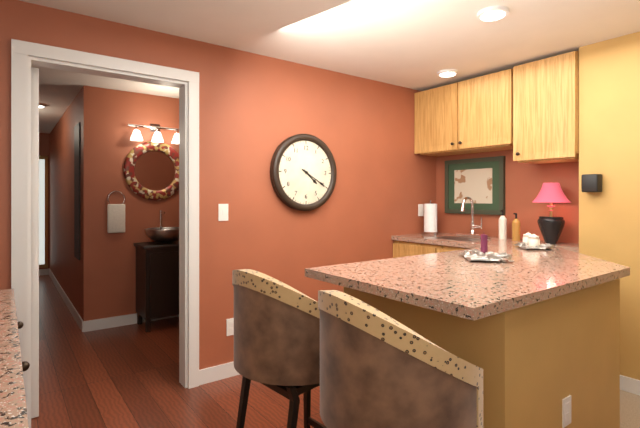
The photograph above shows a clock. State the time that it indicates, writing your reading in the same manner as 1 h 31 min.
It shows 4 h 20 min
